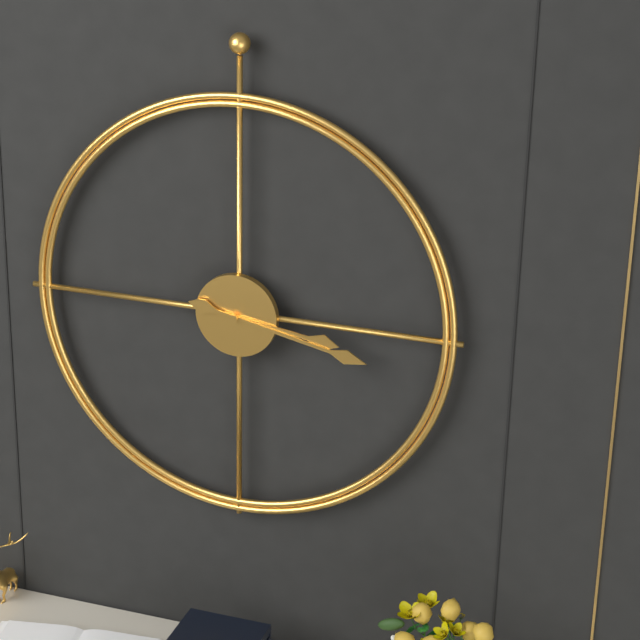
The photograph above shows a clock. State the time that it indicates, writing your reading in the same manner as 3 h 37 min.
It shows 3 h 17 min
